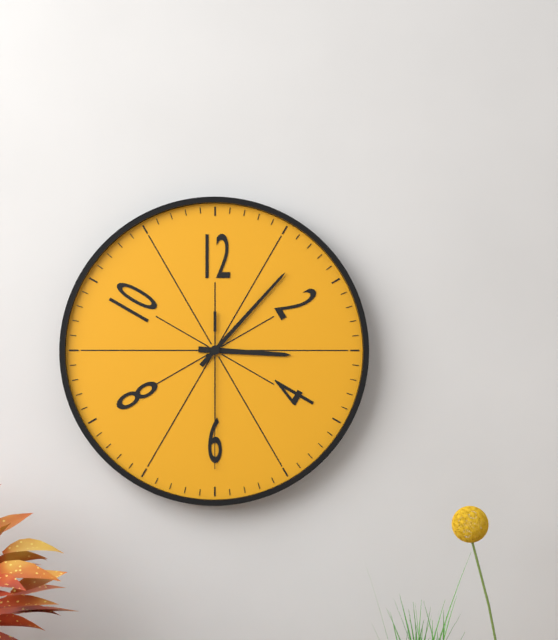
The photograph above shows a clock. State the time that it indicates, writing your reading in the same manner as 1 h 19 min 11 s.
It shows 3 h 07 min 30 s
